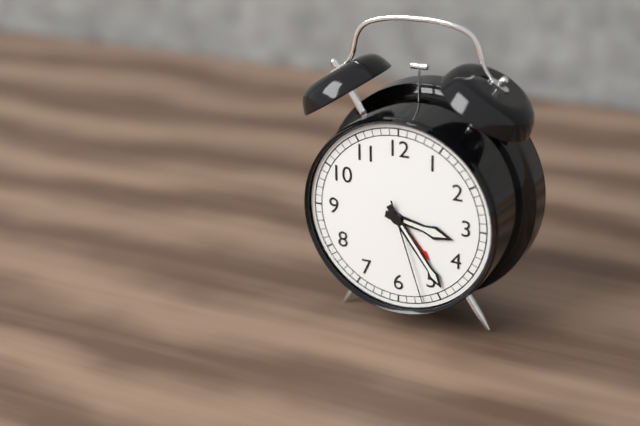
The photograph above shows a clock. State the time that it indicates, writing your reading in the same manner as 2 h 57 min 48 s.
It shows 3 h 24 min 27 s
